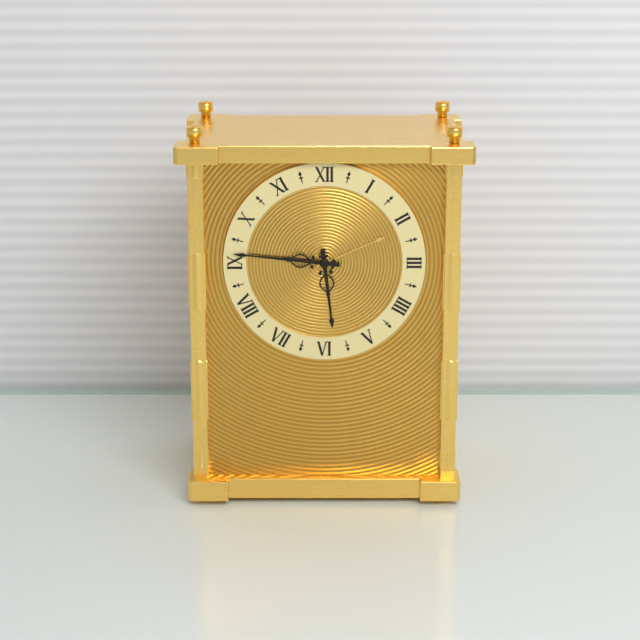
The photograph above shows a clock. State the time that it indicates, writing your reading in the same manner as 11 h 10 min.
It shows 5 h 46 min
